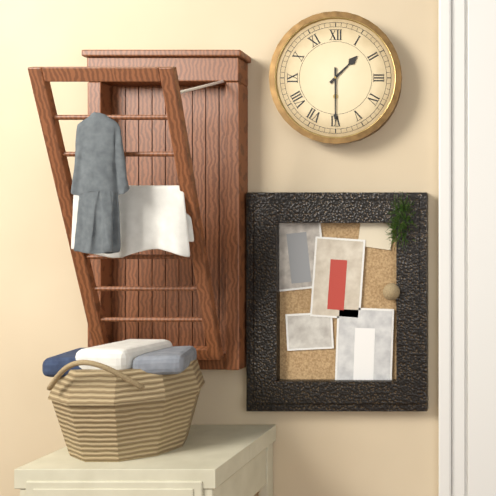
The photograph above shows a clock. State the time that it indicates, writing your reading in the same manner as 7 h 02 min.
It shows 1 h 30 min
